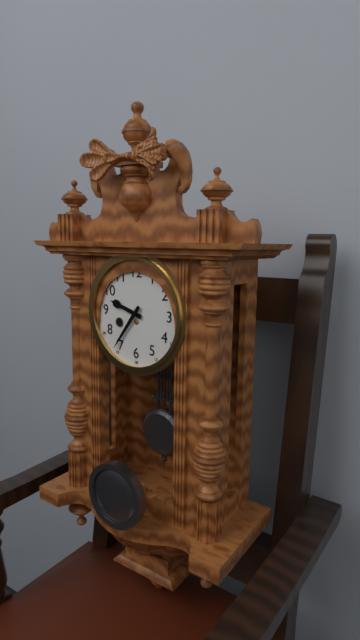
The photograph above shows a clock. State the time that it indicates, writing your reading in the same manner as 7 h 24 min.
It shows 9 h 36 min
